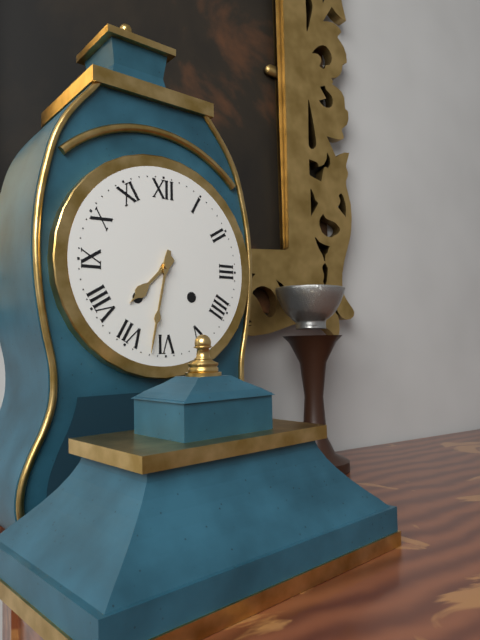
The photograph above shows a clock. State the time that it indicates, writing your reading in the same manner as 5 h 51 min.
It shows 7 h 32 min
